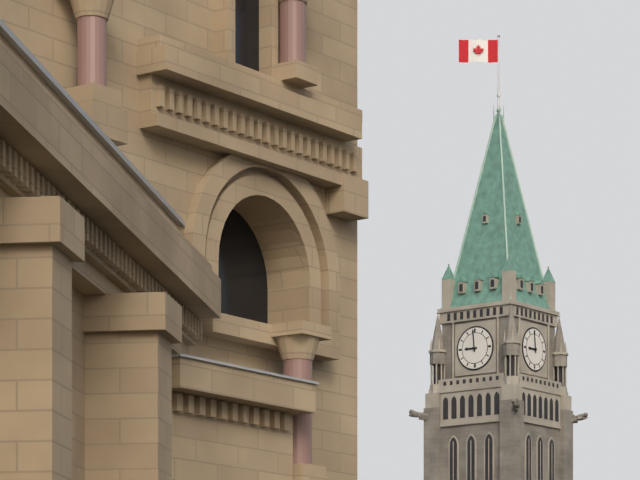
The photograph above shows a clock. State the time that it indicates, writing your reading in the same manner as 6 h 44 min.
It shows 8 h 59 min
